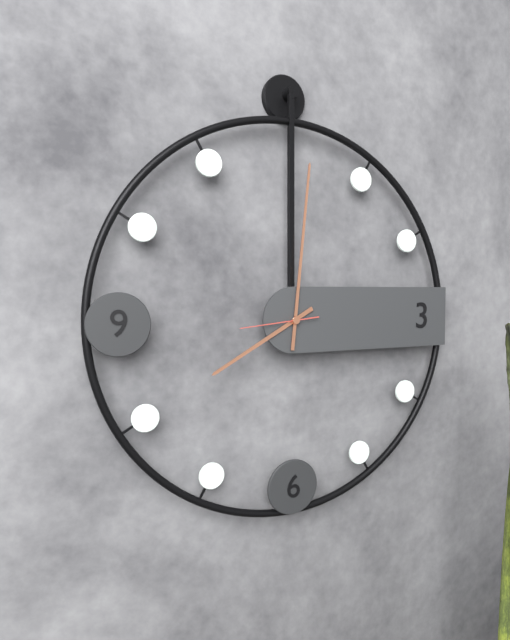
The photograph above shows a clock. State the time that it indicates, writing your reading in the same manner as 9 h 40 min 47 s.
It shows 8 h 01 min 44 s
